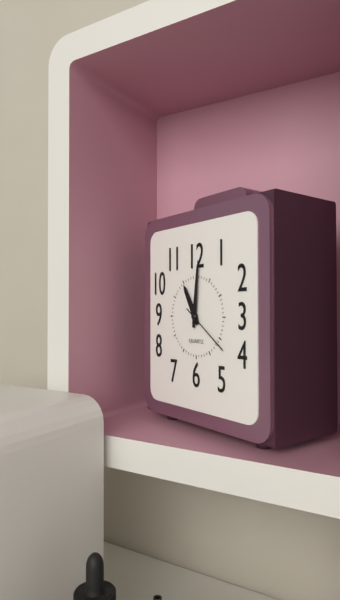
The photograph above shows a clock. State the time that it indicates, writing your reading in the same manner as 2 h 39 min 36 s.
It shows 11 h 01 min 21 s
